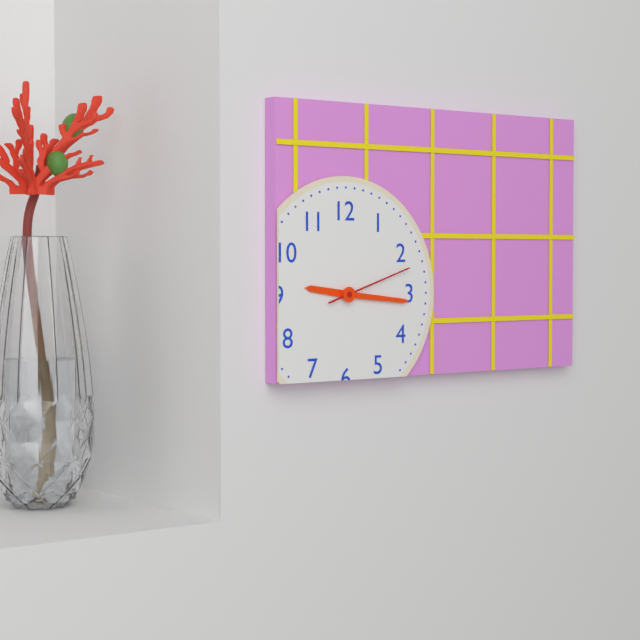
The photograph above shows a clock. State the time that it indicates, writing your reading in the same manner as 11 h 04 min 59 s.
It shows 9 h 16 min 12 s
